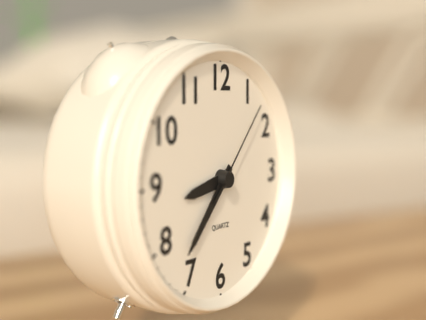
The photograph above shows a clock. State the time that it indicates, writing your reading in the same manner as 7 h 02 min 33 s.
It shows 8 h 37 min 07 s
